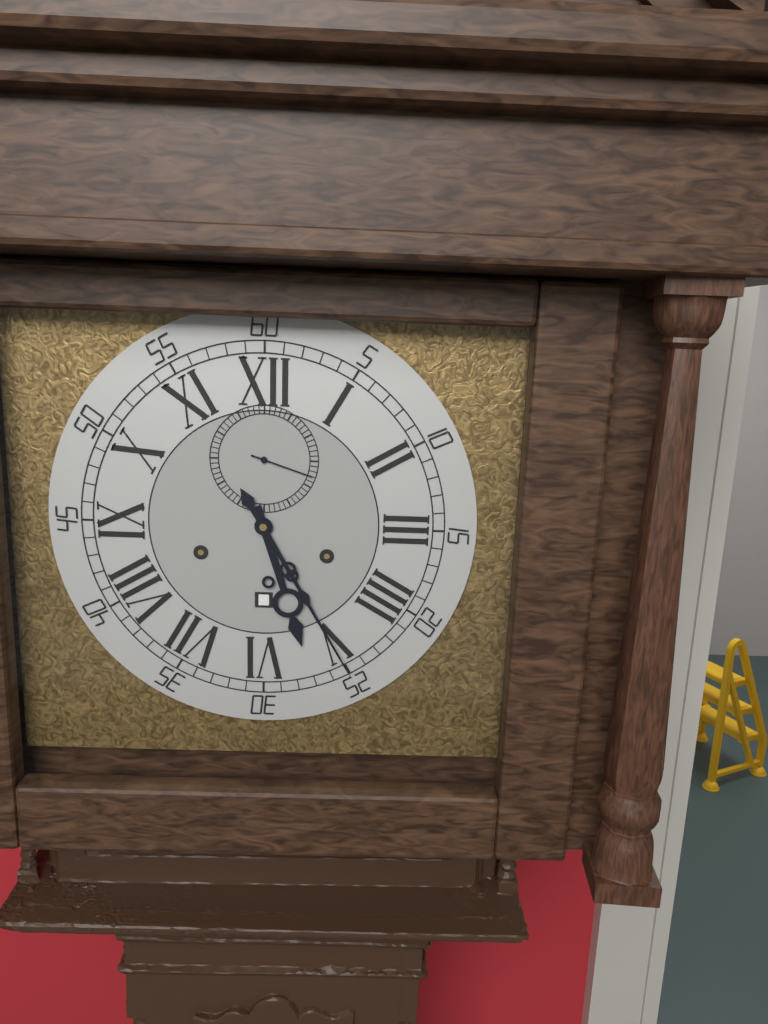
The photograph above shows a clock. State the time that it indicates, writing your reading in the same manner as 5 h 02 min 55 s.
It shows 5 h 25 min 18 s
